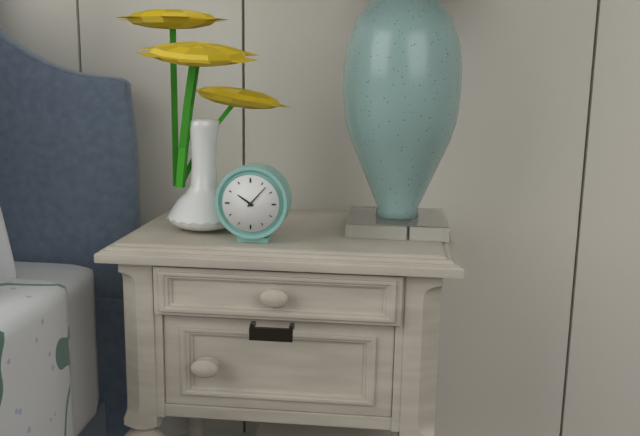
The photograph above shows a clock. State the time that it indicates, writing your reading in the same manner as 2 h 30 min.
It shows 10 h 07 min
